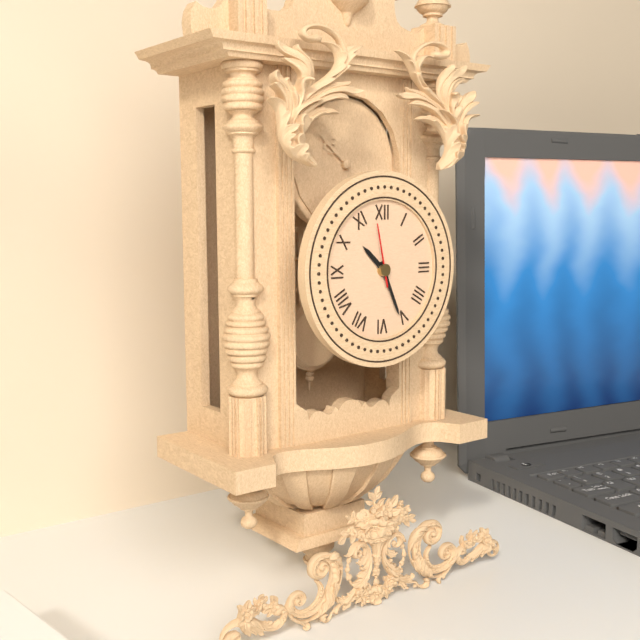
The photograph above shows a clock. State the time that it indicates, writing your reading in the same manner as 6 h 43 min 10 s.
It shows 10 h 26 min 58 s
